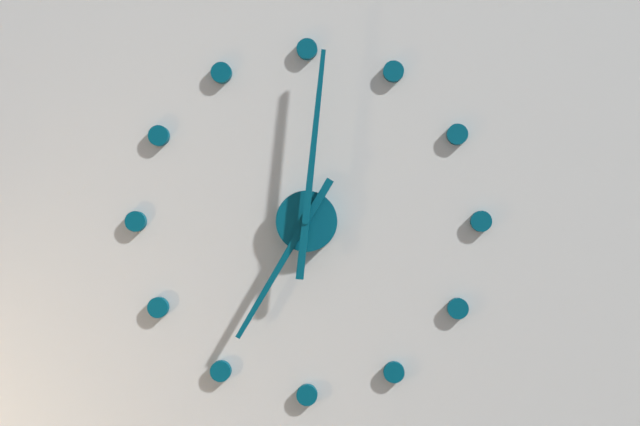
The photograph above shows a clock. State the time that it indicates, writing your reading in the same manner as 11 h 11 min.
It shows 7 h 01 min
